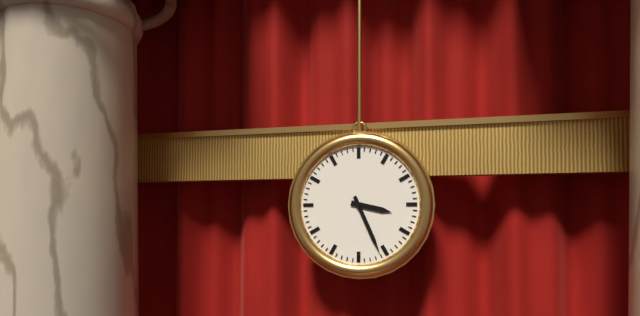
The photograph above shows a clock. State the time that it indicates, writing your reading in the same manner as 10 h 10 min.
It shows 3 h 26 min
